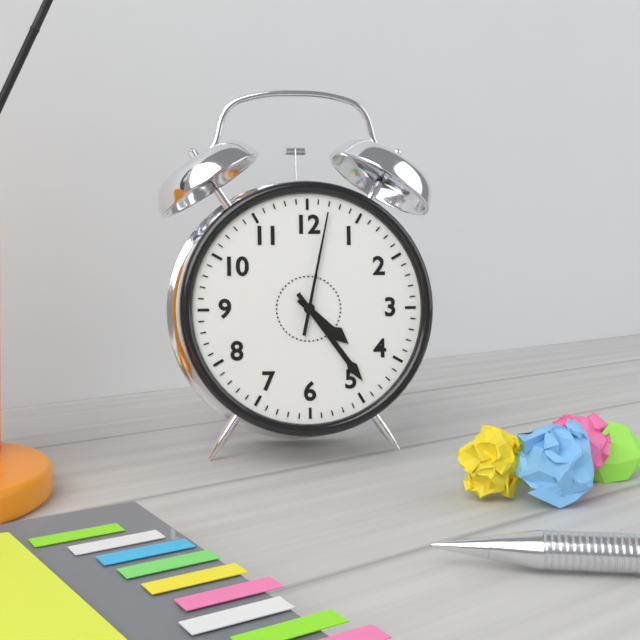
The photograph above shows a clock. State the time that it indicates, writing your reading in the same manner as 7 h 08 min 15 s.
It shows 4 h 24 min 02 s
